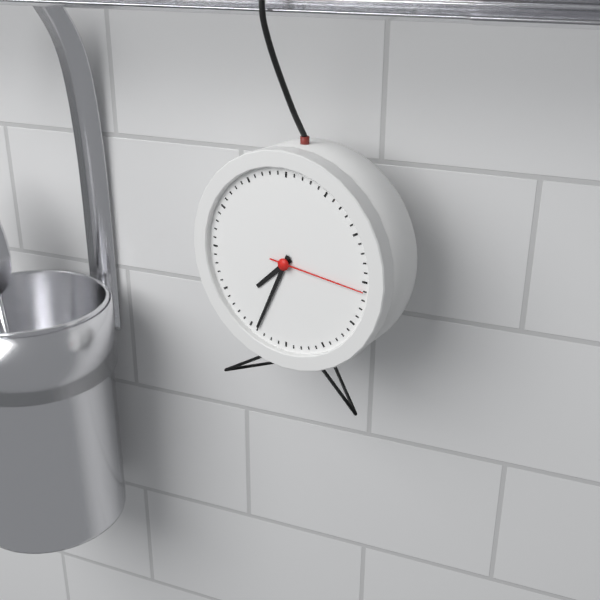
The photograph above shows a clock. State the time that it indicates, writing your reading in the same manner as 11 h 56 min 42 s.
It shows 7 h 34 min 16 s
